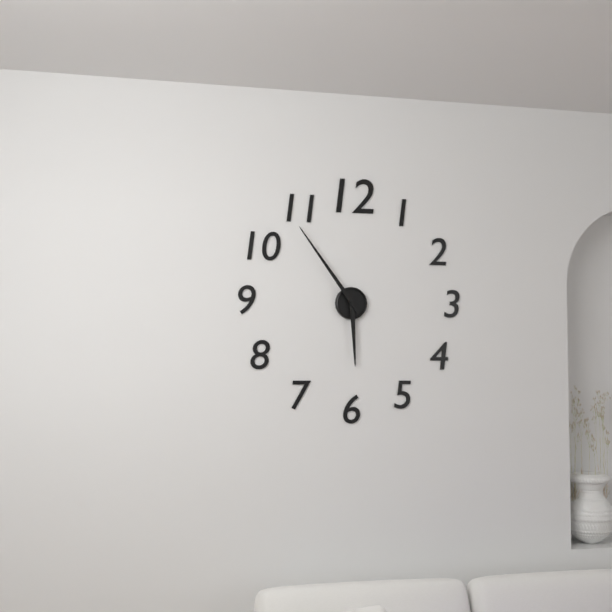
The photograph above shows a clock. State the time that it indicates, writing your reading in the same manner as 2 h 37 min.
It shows 5 h 54 min
